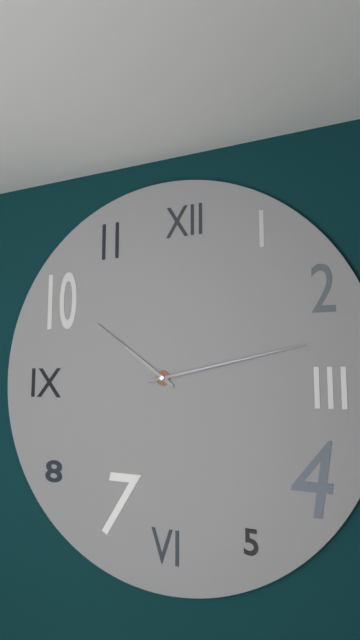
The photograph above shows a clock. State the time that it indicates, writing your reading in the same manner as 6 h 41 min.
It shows 10 h 13 min
